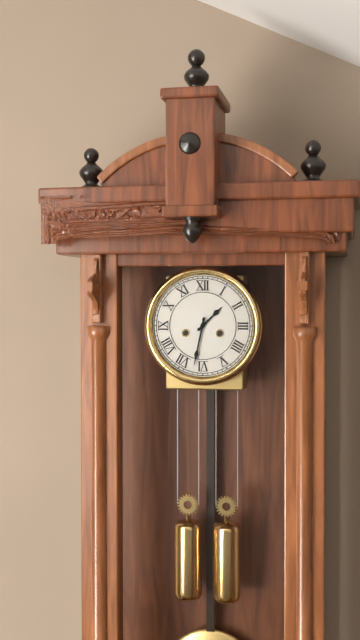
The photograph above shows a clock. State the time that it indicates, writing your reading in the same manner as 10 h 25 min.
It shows 1 h 32 min
